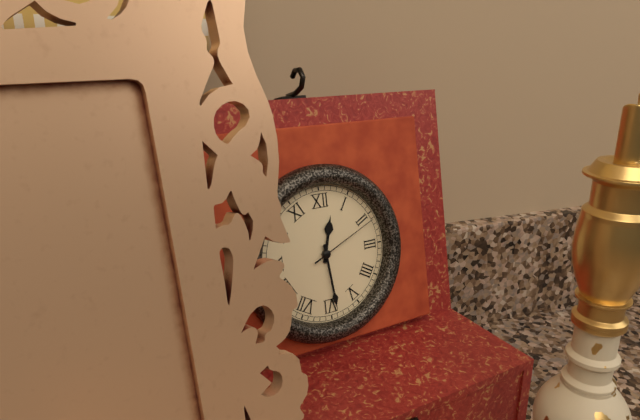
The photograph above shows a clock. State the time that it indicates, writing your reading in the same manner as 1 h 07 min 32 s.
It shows 12 h 29 min 11 s
